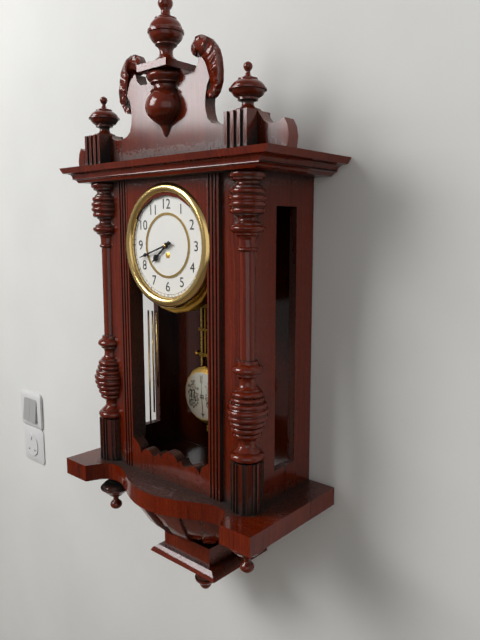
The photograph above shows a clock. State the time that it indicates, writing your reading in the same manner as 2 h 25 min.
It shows 7 h 42 min
